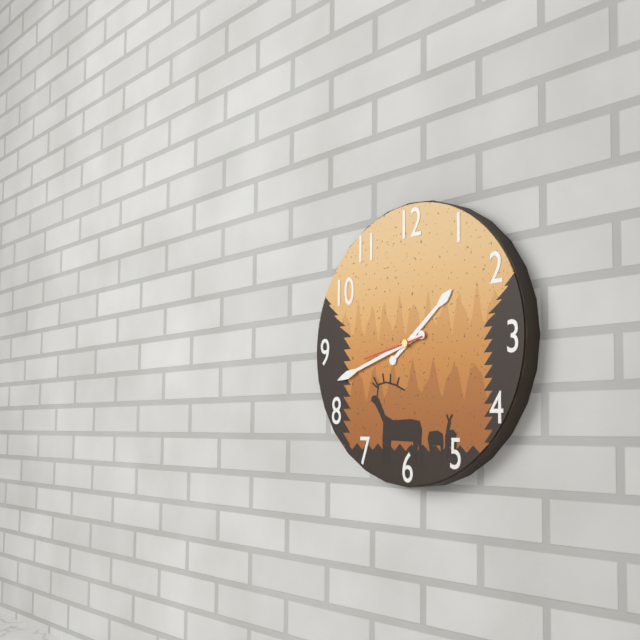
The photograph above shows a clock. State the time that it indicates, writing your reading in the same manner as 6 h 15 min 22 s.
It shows 1 h 42 min 43 s
